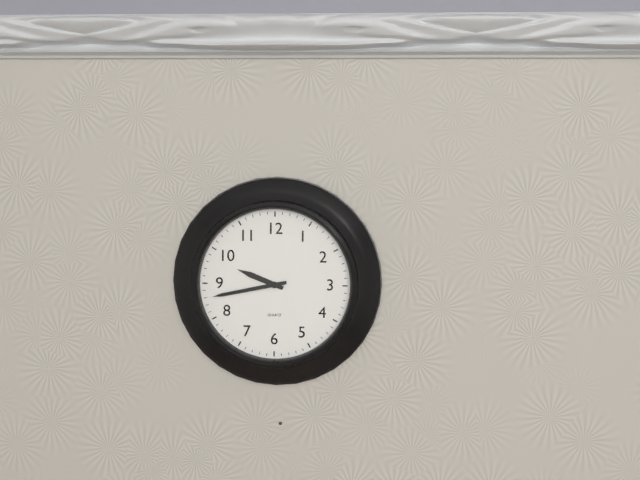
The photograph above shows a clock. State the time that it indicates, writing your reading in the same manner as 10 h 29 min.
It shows 9 h 43 min
